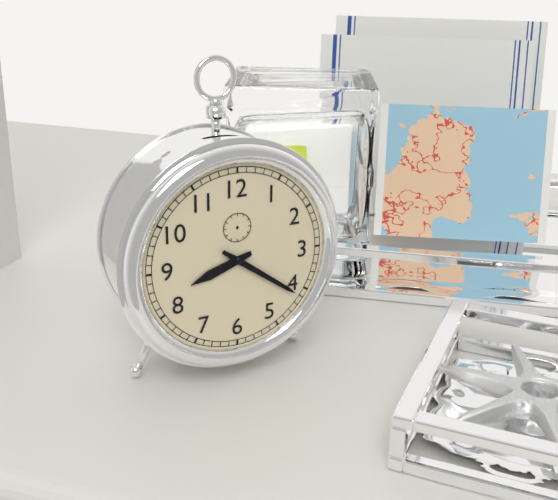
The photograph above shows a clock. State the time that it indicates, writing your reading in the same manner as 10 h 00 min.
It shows 8 h 21 min
